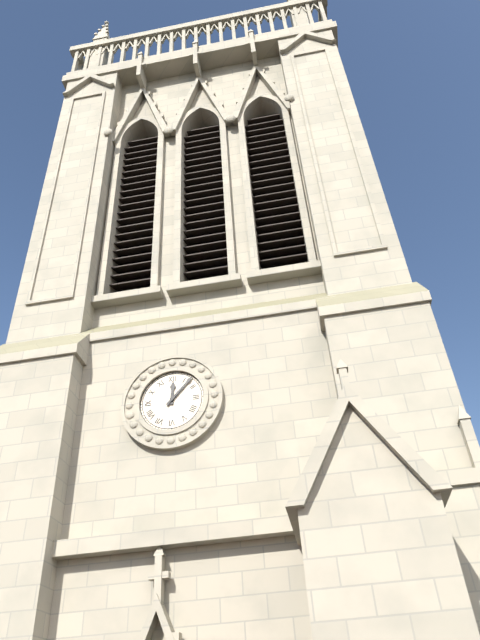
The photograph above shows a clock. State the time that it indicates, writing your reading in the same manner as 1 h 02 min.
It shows 12 h 07 min
